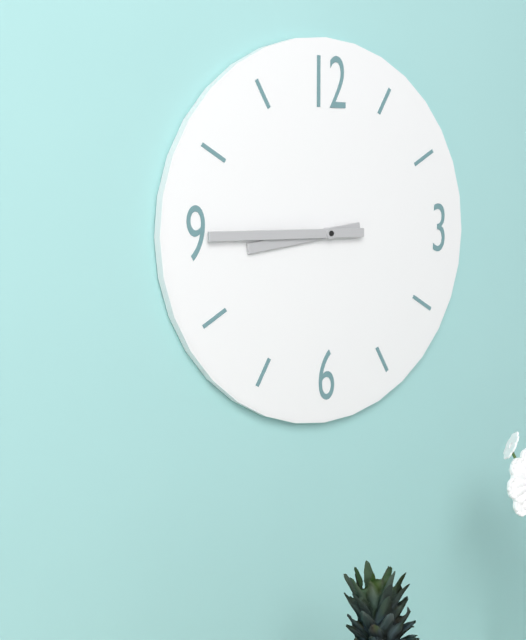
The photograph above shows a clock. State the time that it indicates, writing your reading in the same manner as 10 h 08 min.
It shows 8 h 45 min
